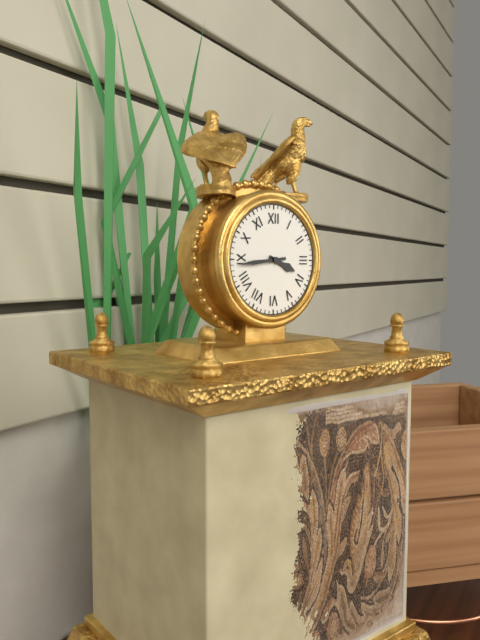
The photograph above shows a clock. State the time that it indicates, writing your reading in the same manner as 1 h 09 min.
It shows 3 h 44 min
